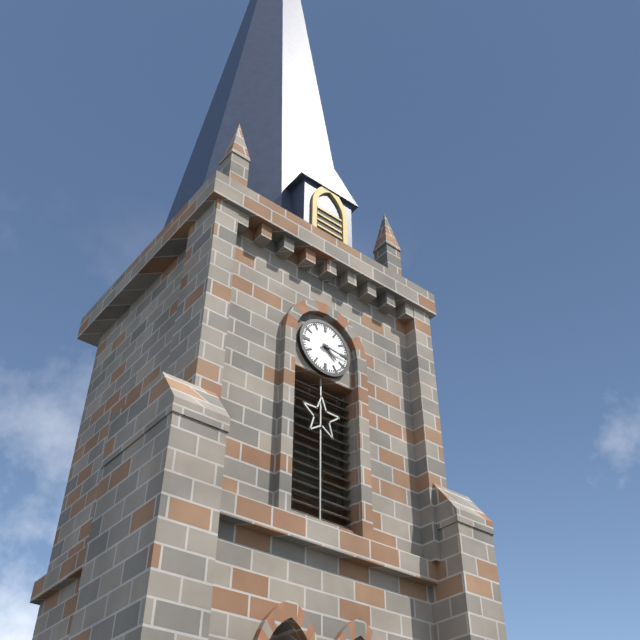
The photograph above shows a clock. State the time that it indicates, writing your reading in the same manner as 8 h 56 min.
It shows 4 h 16 min
